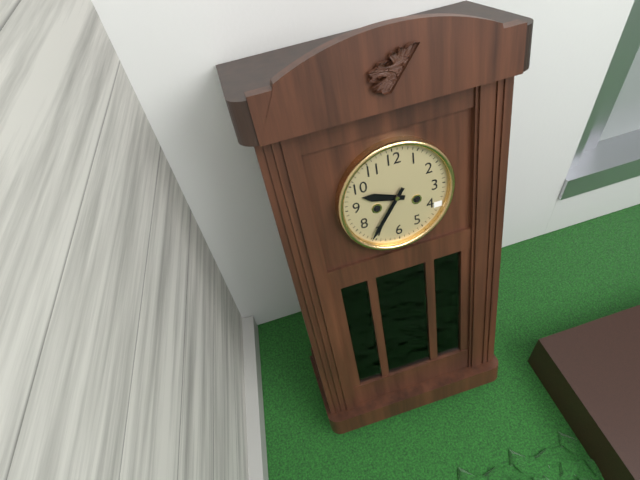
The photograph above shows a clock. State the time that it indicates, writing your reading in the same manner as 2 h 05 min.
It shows 9 h 36 min
